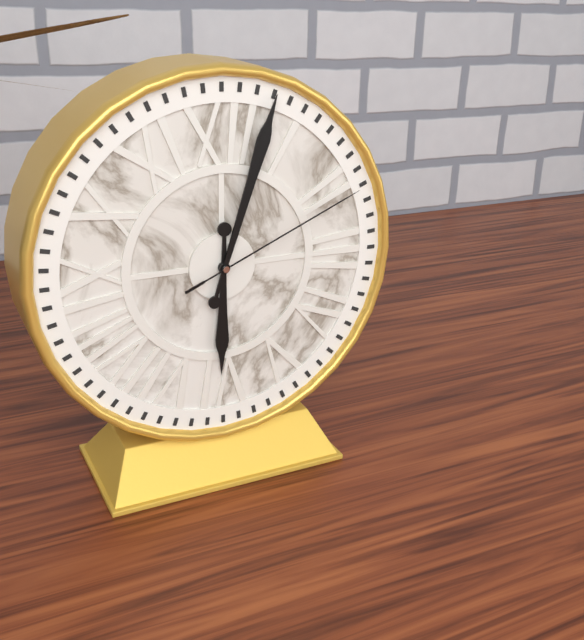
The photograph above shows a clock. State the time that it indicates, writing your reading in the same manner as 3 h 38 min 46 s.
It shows 6 h 03 min 11 s
